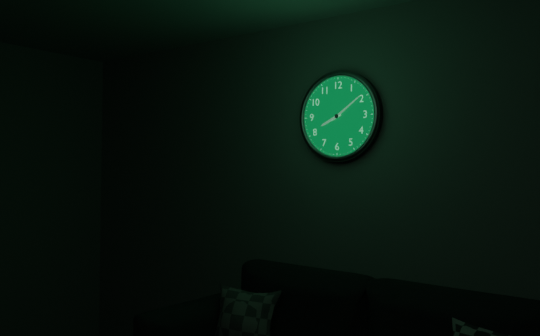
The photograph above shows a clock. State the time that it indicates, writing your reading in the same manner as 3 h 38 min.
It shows 8 h 09 min
